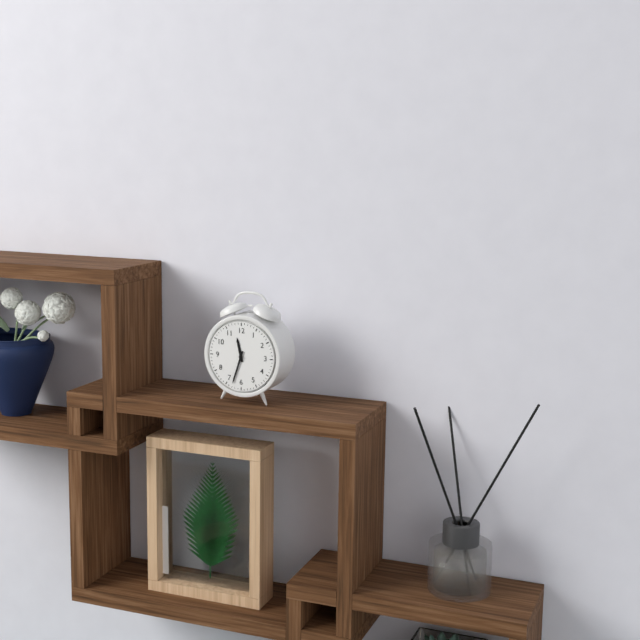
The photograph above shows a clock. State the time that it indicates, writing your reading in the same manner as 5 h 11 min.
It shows 11 h 33 min
